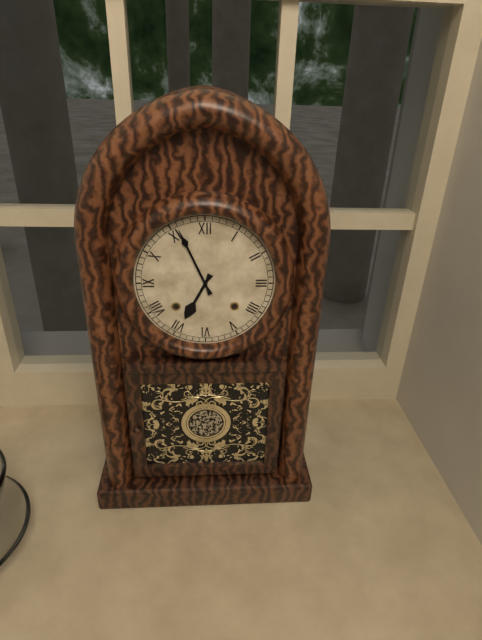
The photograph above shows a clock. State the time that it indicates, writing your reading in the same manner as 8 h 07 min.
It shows 6 h 56 min
